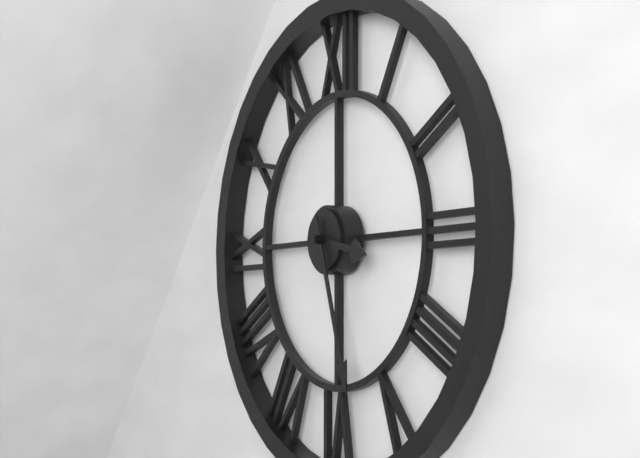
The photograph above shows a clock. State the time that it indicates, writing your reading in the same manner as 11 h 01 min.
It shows 3 h 27 min
